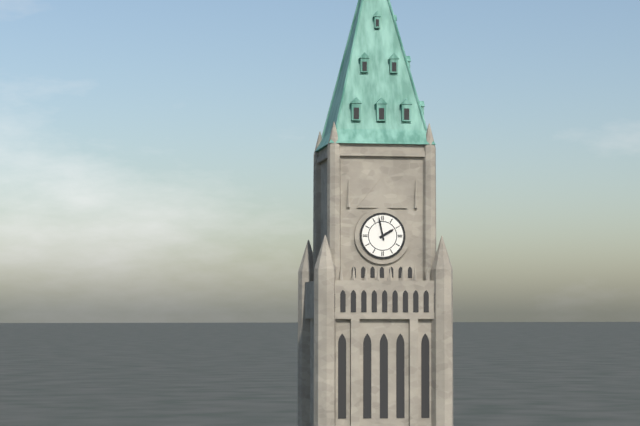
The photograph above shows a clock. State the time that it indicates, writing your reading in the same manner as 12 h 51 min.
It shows 1 h 58 min
